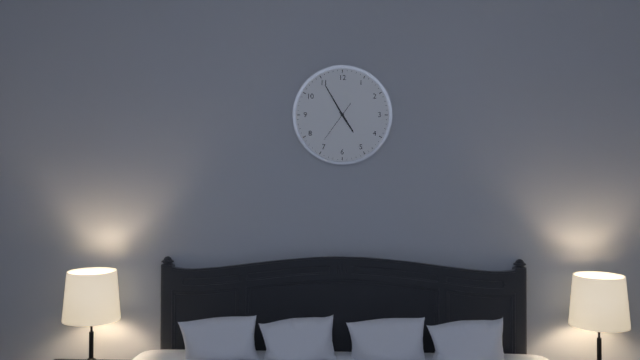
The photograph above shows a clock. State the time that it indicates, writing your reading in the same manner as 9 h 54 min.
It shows 4 h 55 min
